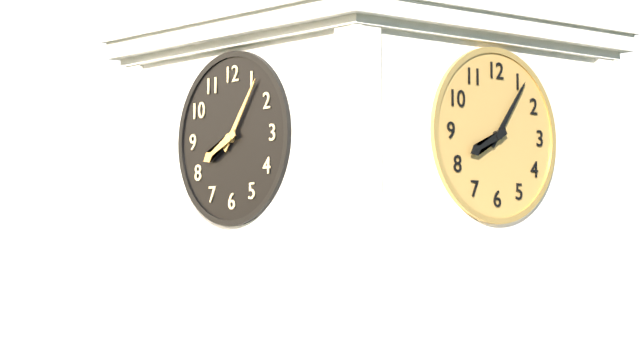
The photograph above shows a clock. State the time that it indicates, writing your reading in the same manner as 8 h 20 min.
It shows 8 h 06 min
